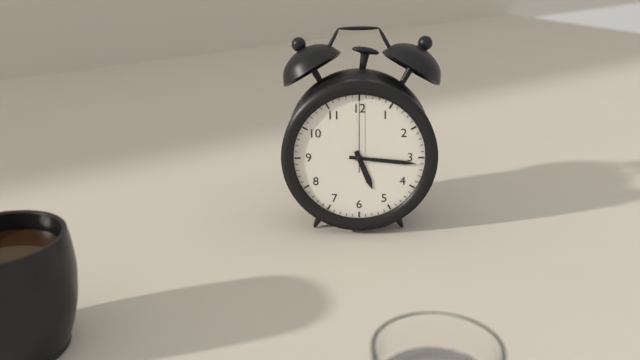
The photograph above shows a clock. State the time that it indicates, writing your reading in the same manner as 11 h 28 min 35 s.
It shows 5 h 16 min 00 s
